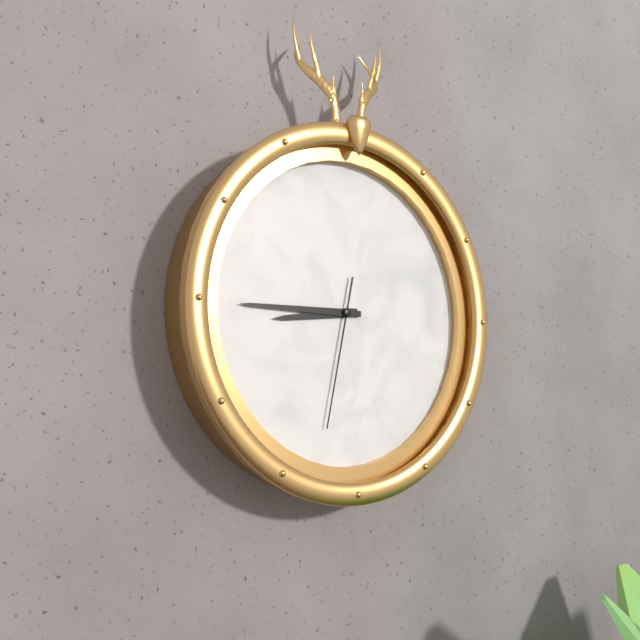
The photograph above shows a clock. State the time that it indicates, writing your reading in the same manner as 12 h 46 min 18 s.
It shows 8 h 45 min 32 s
